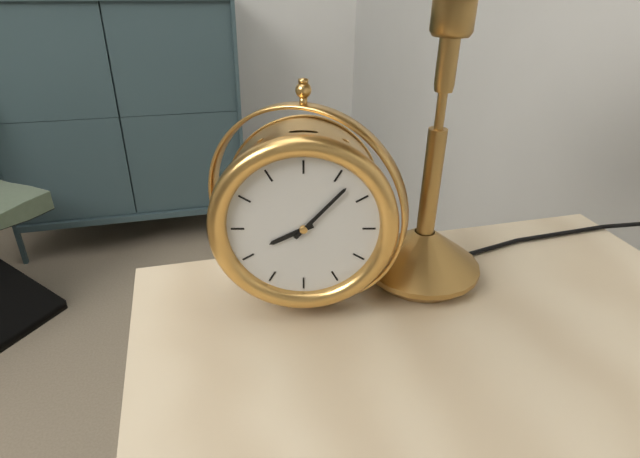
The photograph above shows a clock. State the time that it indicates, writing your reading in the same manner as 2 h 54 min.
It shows 8 h 07 min
